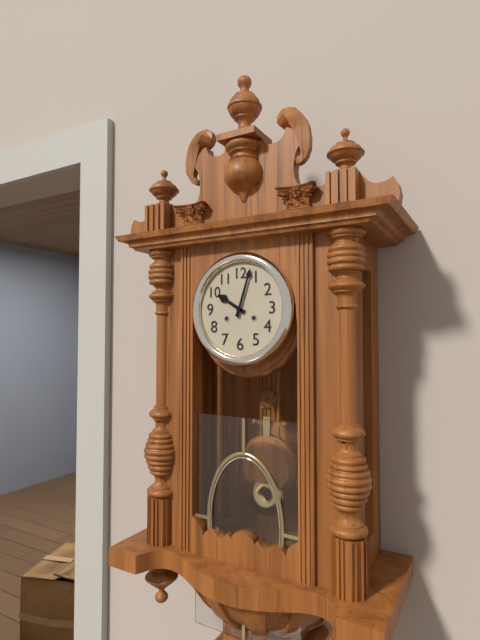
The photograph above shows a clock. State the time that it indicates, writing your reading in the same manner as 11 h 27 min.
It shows 10 h 03 min
